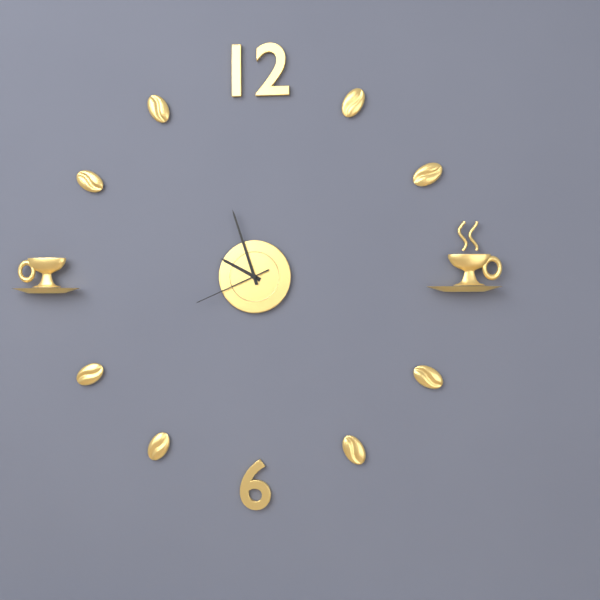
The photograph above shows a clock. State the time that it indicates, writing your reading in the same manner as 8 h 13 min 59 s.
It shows 9 h 57 min 41 s
